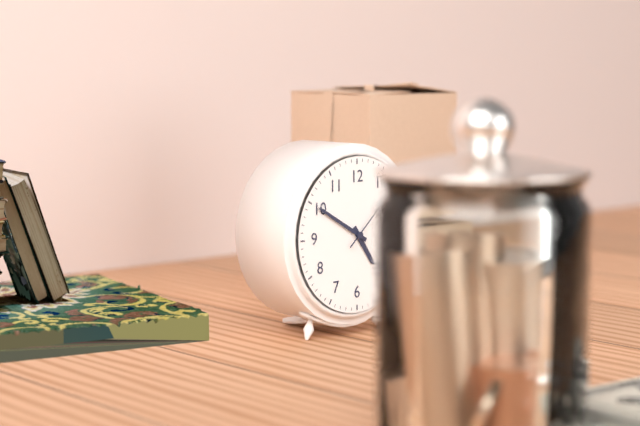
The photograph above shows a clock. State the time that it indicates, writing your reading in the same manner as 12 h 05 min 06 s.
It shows 4 h 50 min 08 s
